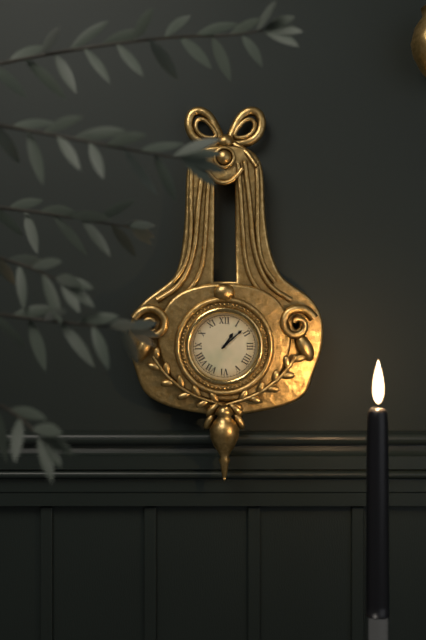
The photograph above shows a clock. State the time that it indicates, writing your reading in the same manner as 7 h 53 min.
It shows 1 h 08 min
